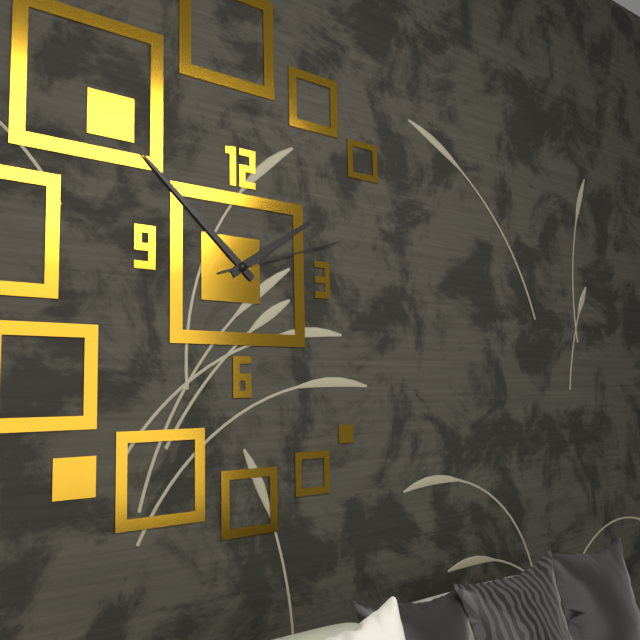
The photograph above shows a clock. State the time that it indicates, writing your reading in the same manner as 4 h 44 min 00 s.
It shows 1 h 52 min 12 s
